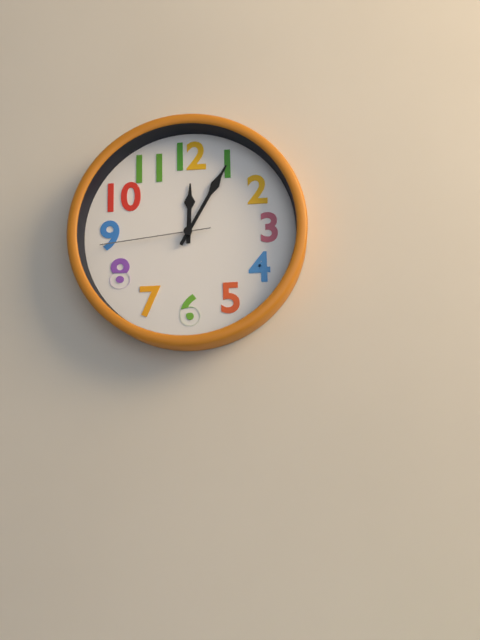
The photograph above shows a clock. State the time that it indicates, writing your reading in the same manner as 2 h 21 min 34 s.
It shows 12 h 05 min 44 s
